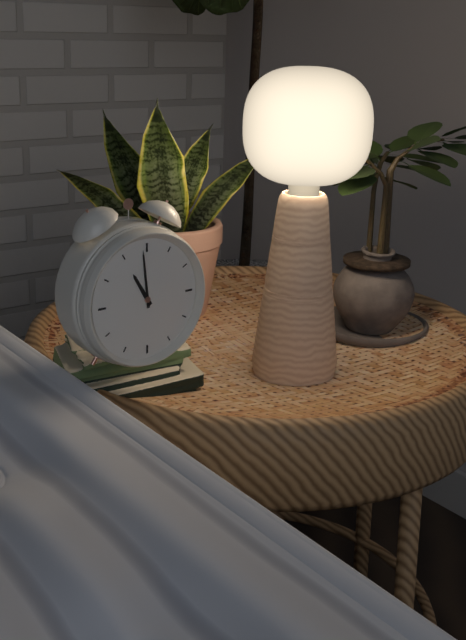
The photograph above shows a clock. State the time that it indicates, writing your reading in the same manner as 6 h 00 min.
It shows 10 h 59 min
